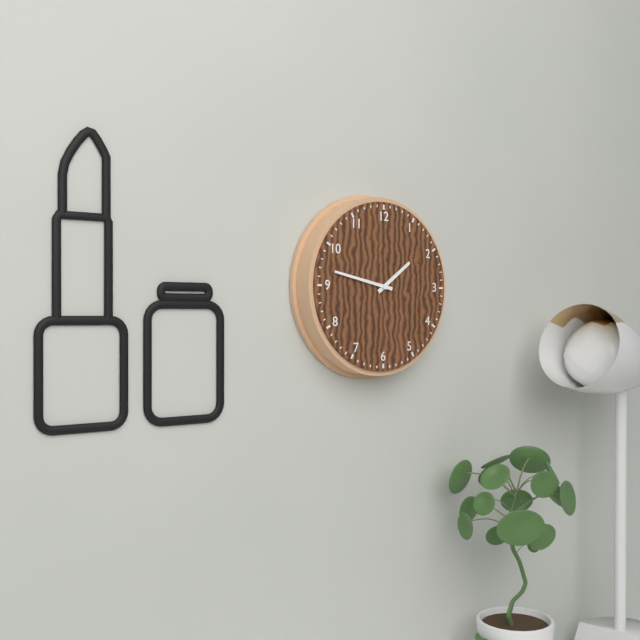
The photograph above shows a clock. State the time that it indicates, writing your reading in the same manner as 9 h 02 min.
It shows 1 h 47 min
